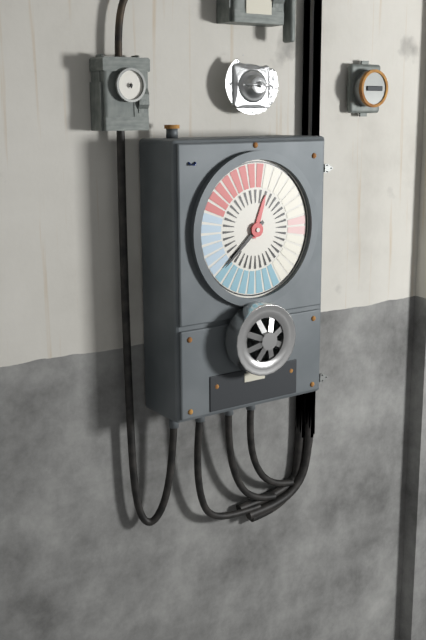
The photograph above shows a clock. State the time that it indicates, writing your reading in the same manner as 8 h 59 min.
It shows 12 h 38 min
